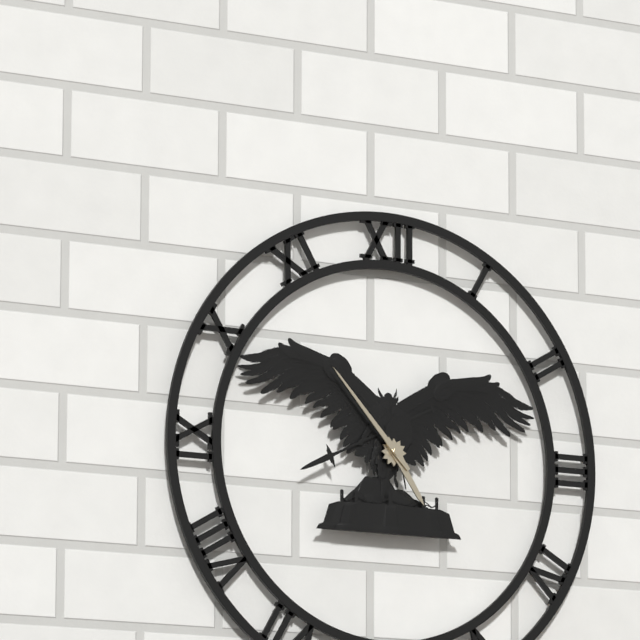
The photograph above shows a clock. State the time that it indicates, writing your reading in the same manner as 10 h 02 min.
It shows 4 h 53 min
